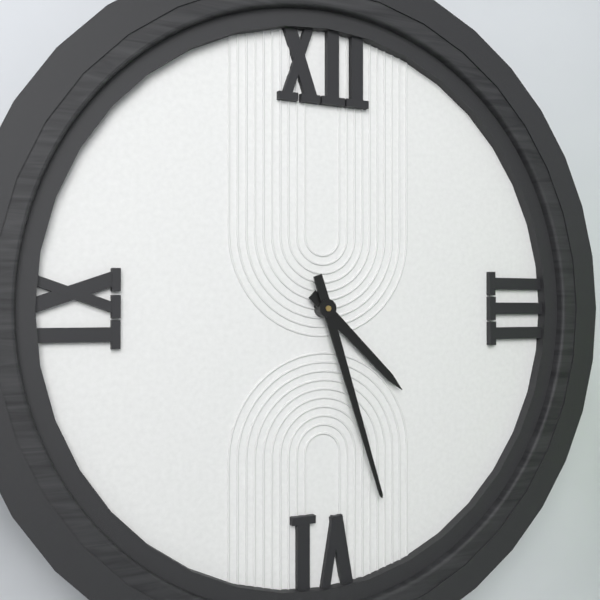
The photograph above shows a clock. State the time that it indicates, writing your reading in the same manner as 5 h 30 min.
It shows 4 h 27 min
